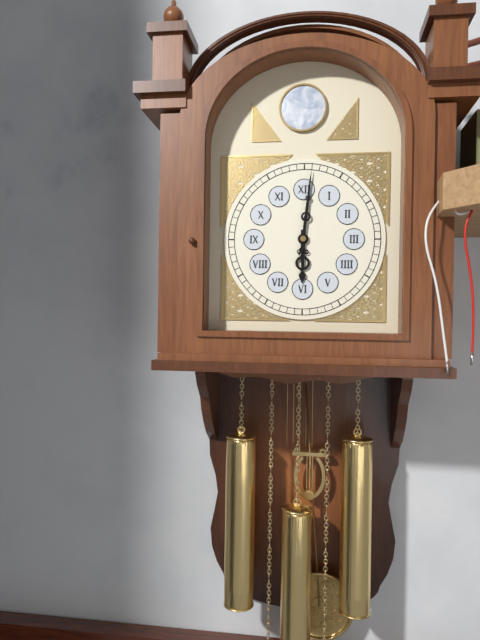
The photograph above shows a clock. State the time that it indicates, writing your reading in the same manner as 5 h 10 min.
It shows 6 h 01 min
